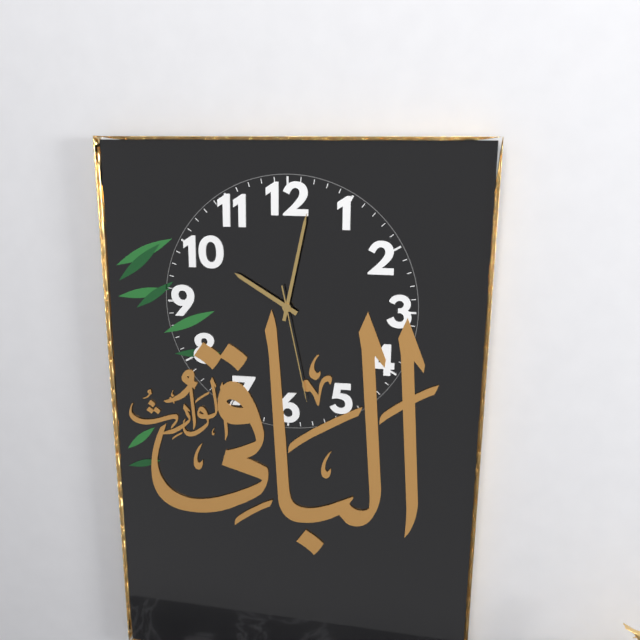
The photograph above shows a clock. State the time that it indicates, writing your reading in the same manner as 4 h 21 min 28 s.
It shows 10 h 02 min 28 s
